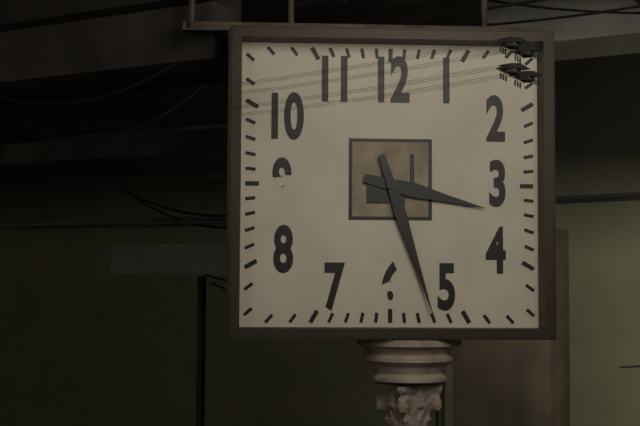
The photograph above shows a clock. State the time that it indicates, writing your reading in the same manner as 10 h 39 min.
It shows 3 h 27 min
